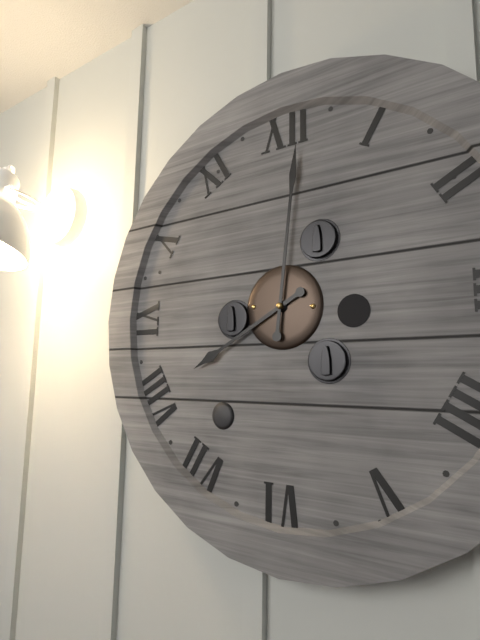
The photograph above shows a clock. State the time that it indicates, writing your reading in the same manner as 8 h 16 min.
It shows 8 h 01 min
